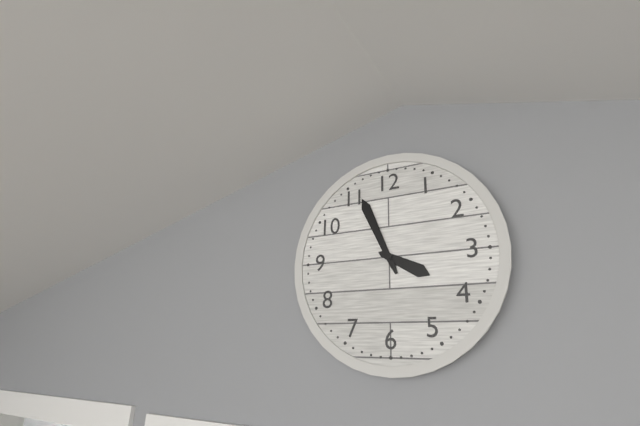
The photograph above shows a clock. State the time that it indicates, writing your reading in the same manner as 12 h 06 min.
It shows 3 h 56 min
